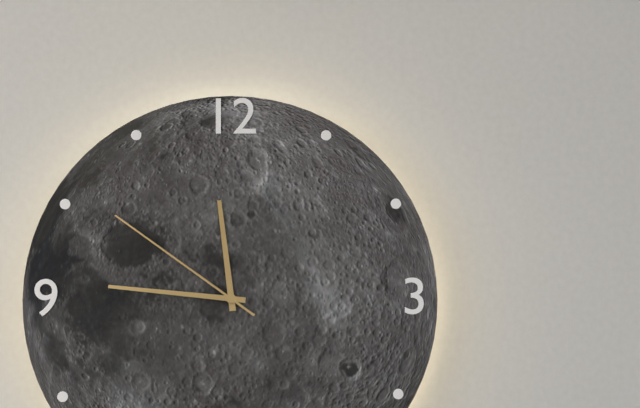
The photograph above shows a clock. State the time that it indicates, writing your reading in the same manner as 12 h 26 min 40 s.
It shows 11 h 46 min 51 s
